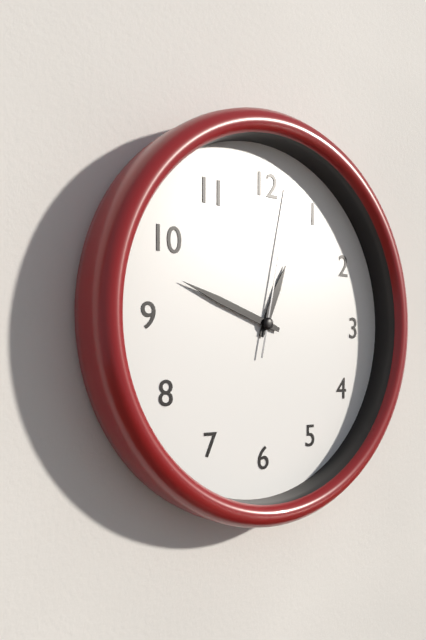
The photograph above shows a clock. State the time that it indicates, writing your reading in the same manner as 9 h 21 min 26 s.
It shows 12 h 48 min 02 s
